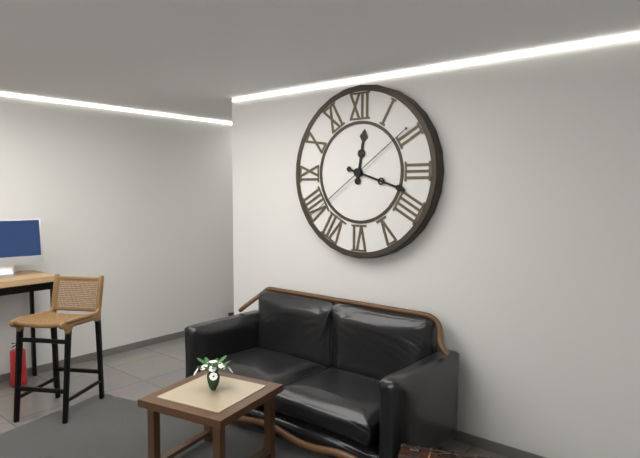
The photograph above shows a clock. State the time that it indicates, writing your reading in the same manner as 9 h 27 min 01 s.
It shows 12 h 18 min 39 s
